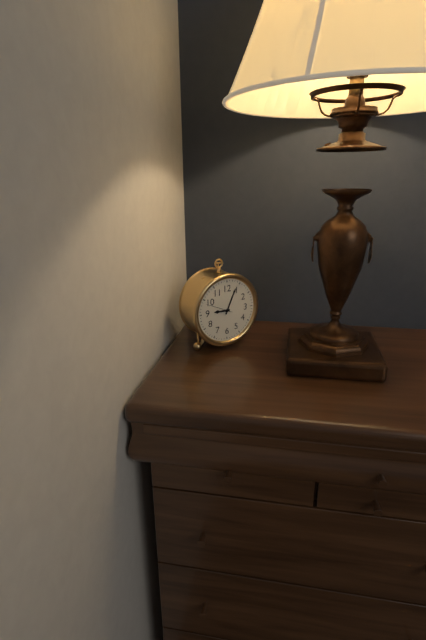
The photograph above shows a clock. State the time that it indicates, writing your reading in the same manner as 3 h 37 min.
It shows 9 h 04 min
